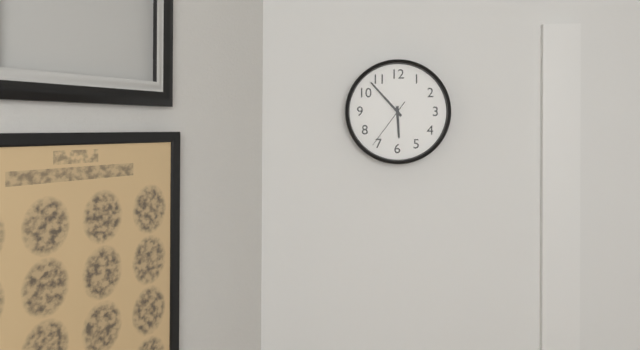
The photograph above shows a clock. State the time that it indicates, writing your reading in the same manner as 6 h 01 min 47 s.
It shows 5 h 53 min 36 s
